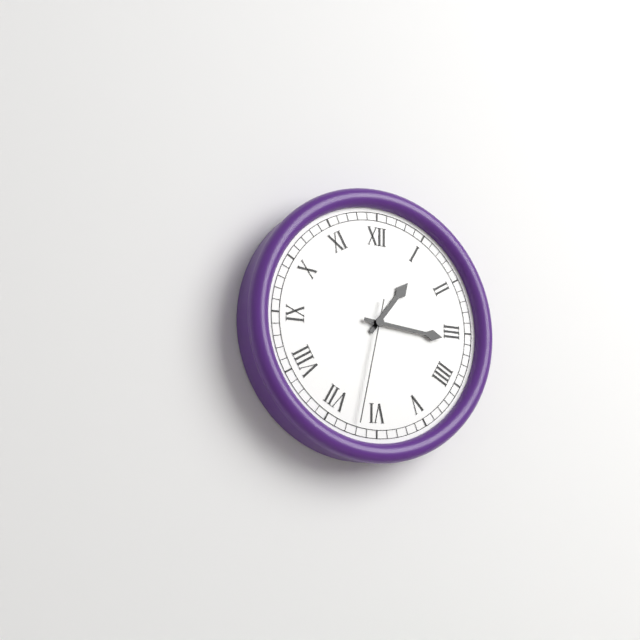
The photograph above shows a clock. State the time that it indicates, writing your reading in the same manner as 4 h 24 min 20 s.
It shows 1 h 16 min 32 s
